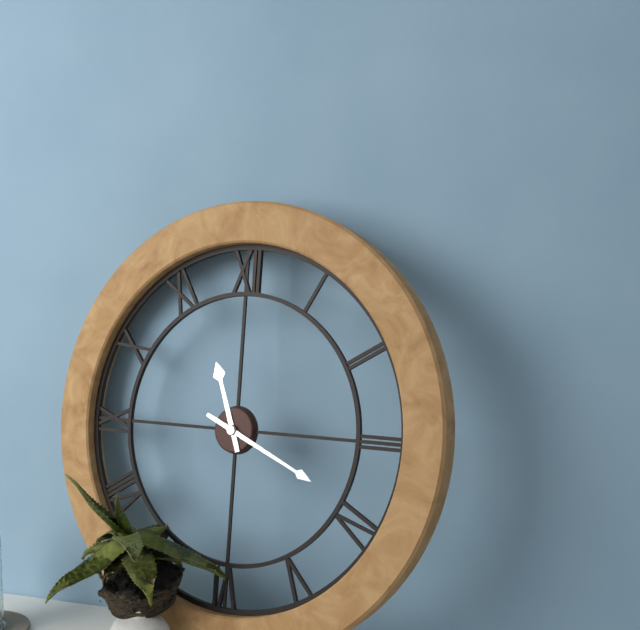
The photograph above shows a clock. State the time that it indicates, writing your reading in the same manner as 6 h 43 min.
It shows 11 h 19 min
